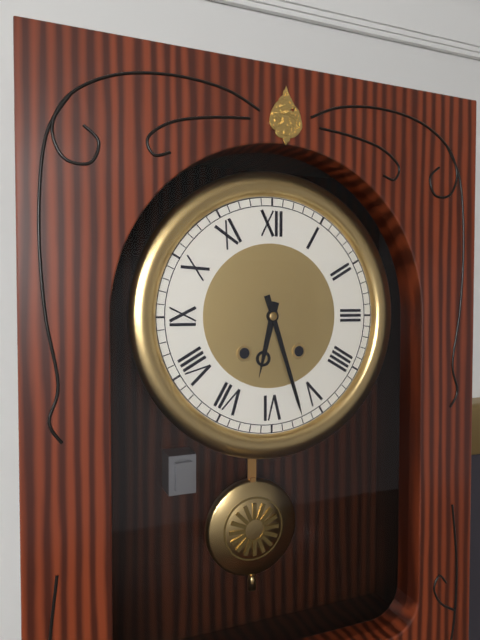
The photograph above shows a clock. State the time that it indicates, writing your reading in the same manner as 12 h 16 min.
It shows 6 h 27 min
